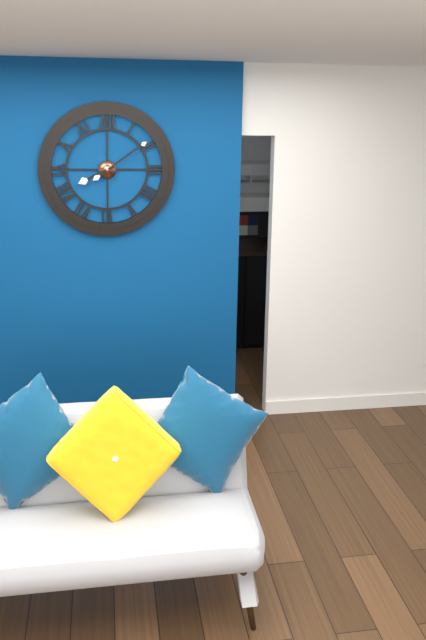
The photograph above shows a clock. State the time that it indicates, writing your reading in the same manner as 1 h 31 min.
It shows 8 h 09 min
